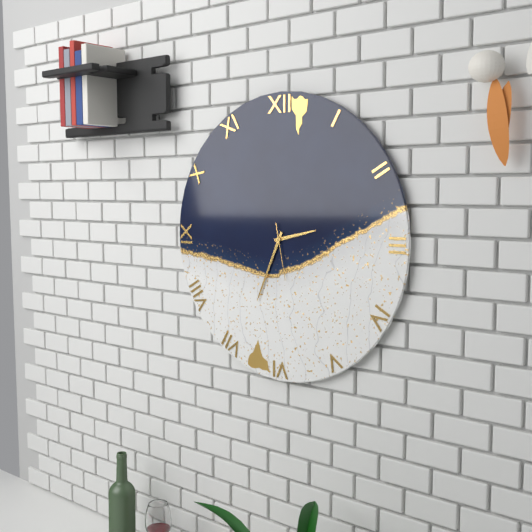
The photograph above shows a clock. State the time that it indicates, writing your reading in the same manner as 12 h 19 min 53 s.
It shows 2 h 34 min 28 s
